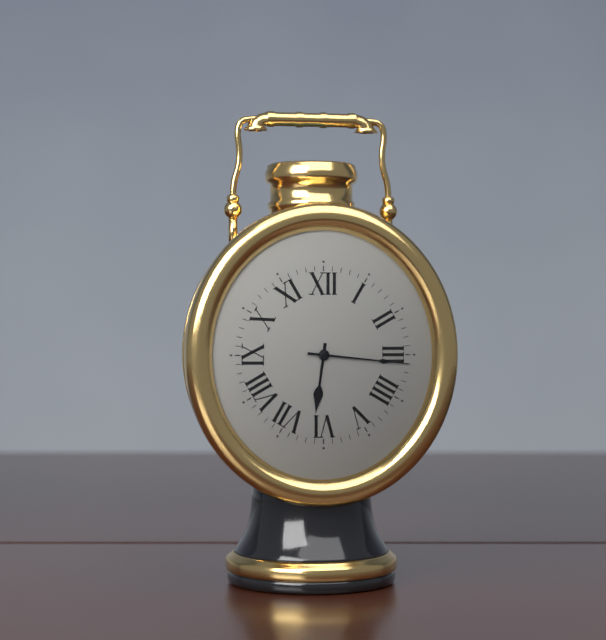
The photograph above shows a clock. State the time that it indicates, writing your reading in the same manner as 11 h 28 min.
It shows 6 h 16 min
